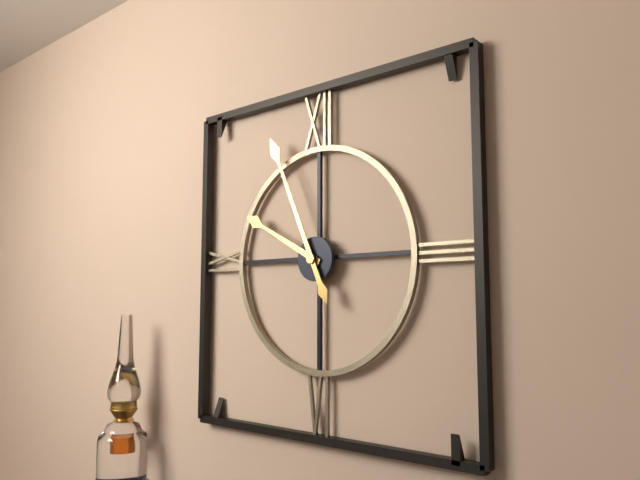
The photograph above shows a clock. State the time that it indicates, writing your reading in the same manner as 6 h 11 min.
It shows 9 h 56 min
